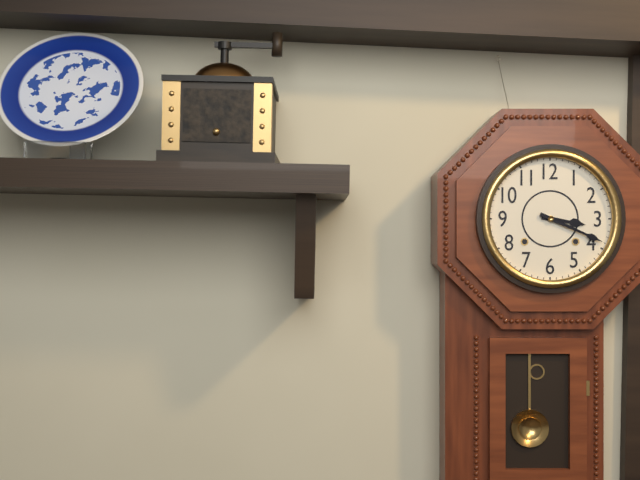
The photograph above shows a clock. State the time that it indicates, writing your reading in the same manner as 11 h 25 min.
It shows 3 h 19 min
